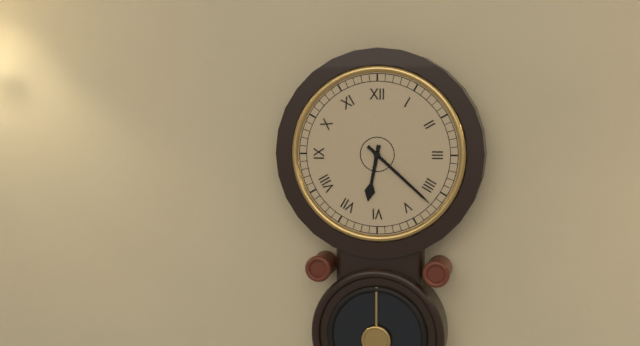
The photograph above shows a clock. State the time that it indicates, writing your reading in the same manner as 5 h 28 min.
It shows 6 h 22 min
